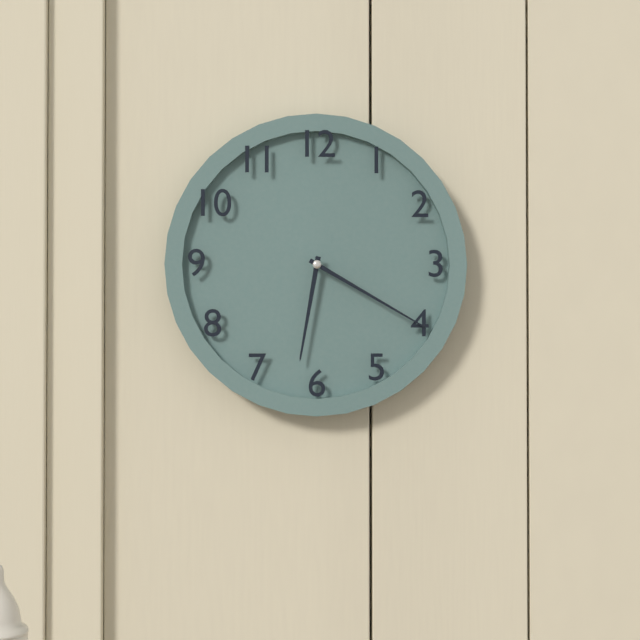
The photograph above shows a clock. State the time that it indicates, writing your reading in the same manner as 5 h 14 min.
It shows 6 h 20 min
